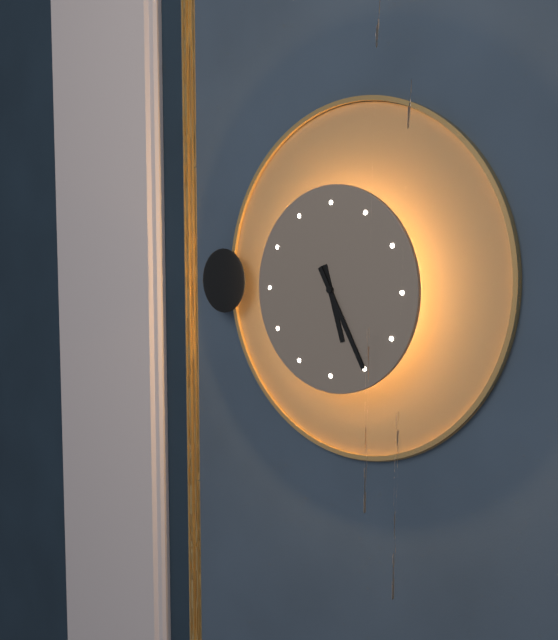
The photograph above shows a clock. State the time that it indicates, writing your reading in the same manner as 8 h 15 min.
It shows 5 h 25 min
